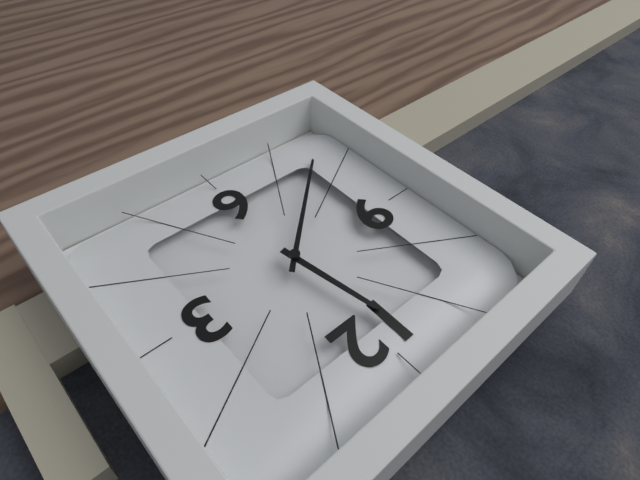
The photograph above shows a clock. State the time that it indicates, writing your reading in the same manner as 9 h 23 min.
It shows 11 h 38 min
